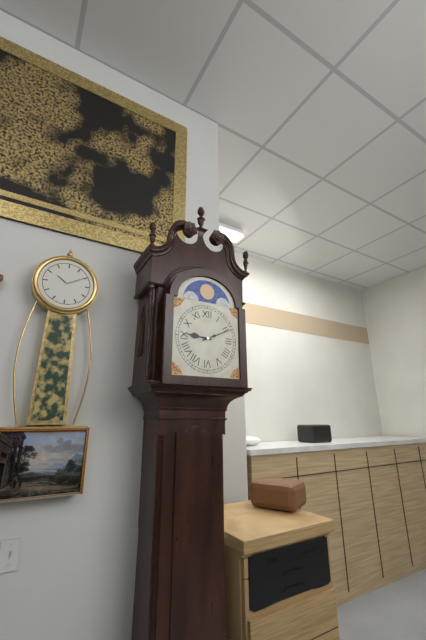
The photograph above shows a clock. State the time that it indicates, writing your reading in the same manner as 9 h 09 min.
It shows 9 h 11 min
